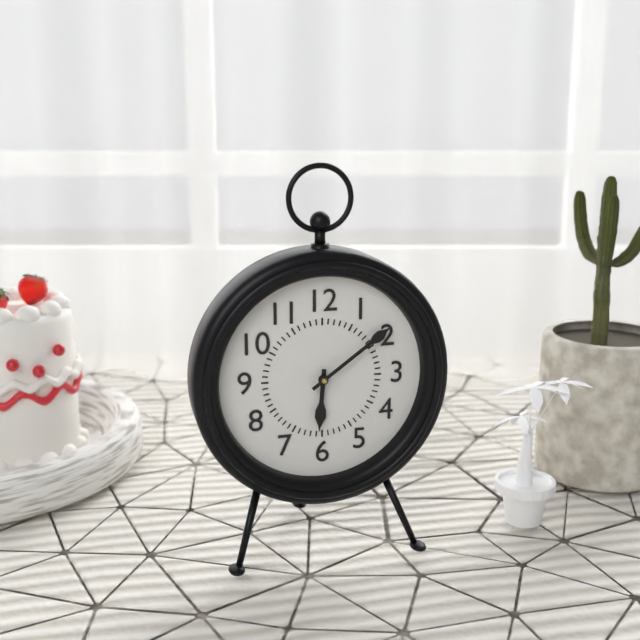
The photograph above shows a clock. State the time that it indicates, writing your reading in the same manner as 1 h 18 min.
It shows 6 h 09 min
